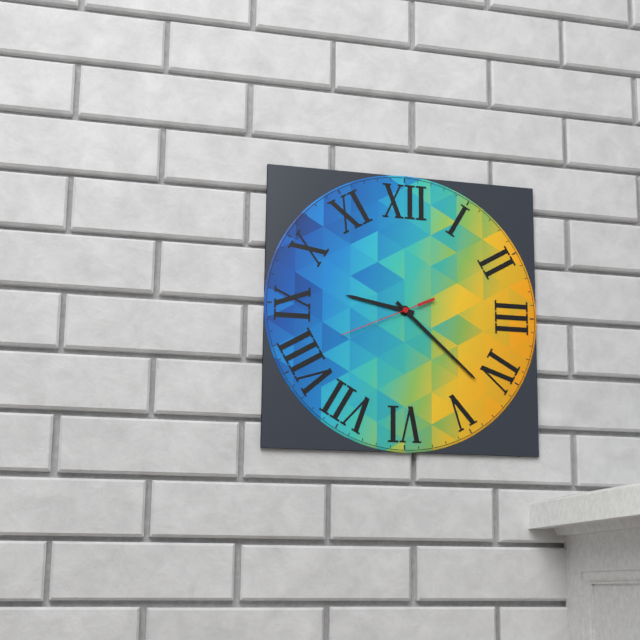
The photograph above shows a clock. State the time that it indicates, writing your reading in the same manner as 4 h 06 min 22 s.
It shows 9 h 22 min 41 s
